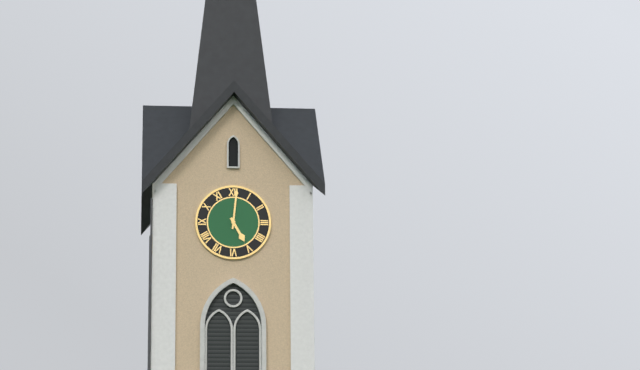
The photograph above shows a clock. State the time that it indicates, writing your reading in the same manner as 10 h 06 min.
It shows 5 h 01 min
